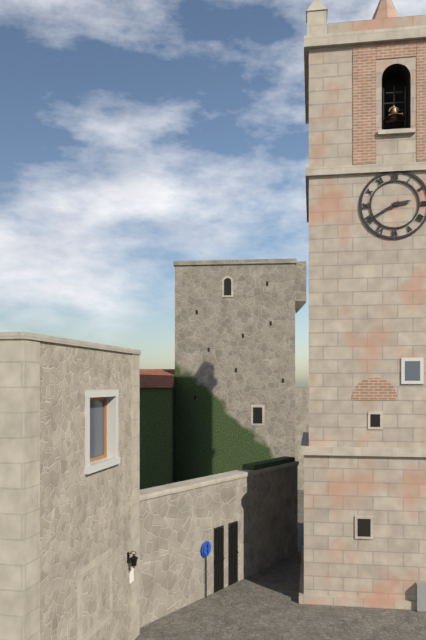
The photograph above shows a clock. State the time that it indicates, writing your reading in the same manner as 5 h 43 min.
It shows 2 h 40 min
